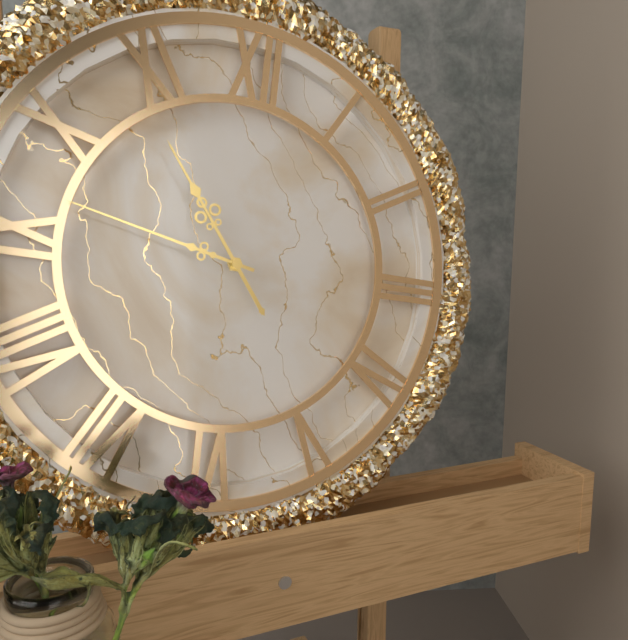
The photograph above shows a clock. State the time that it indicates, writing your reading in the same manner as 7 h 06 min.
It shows 10 h 47 min
